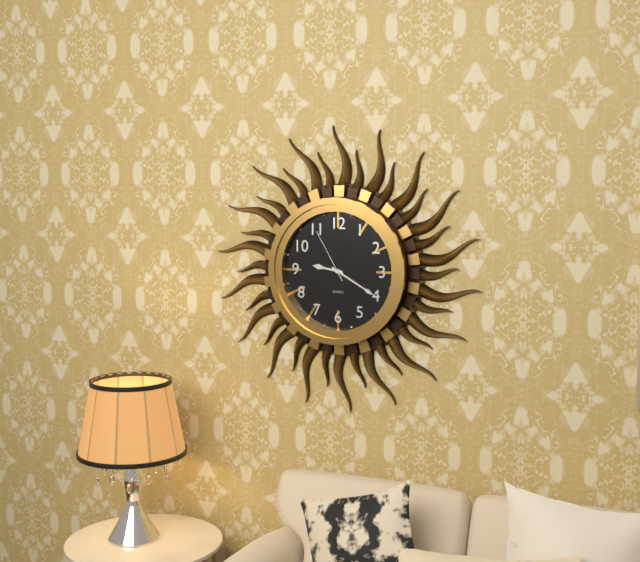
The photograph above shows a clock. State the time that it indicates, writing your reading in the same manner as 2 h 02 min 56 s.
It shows 9 h 20 min 55 s
